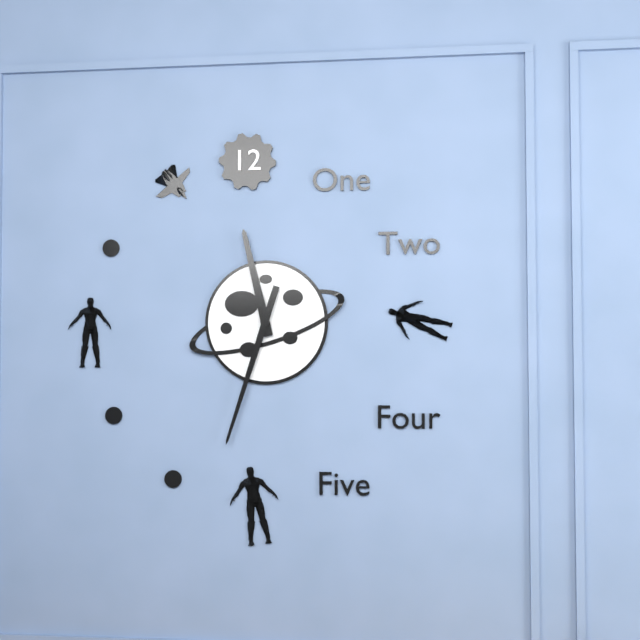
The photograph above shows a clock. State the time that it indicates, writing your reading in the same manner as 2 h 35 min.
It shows 11 h 33 min
